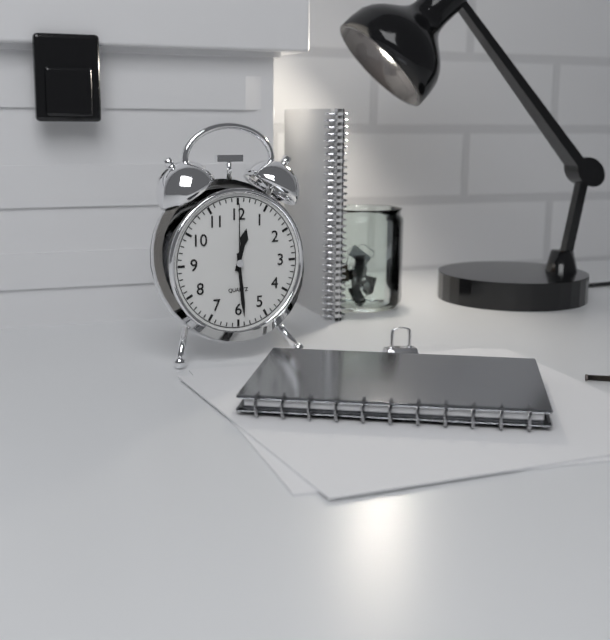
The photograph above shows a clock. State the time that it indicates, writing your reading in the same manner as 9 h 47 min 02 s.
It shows 12 h 29 min 00 s
